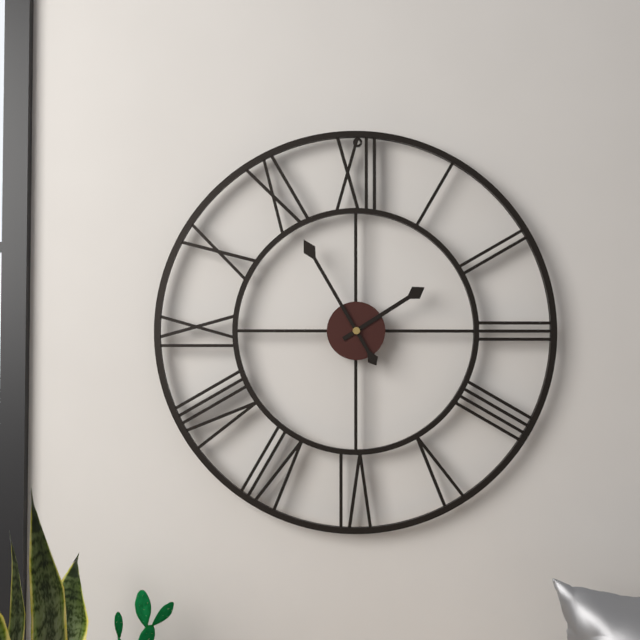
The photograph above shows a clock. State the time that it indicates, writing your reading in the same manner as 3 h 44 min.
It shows 1 h 55 min
